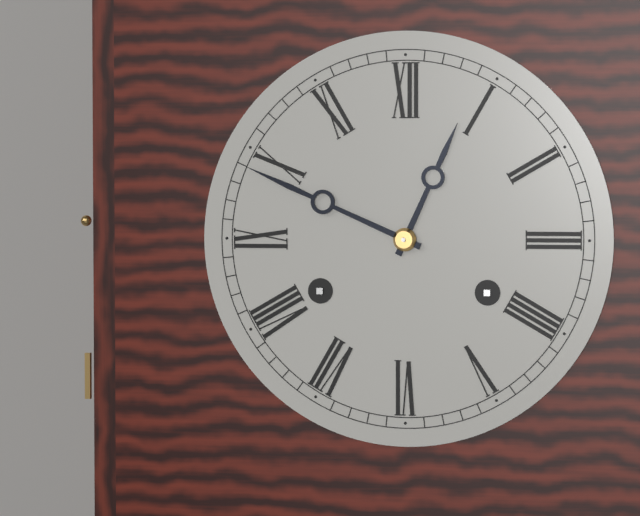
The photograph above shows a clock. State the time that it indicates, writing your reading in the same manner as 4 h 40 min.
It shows 12 h 49 min
